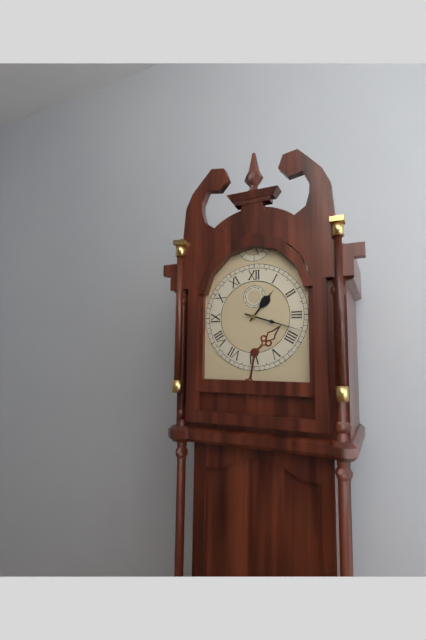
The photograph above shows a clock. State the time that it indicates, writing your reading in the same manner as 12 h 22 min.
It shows 1 h 18 min
